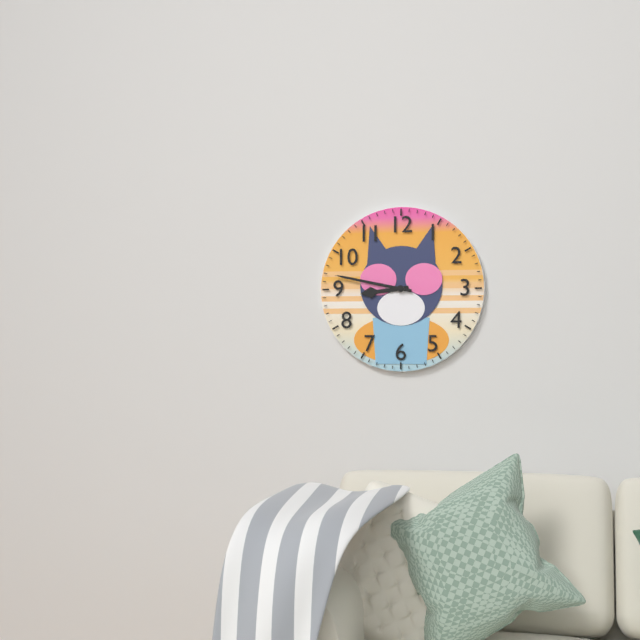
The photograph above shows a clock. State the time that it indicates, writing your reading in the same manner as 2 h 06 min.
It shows 8 h 47 min
